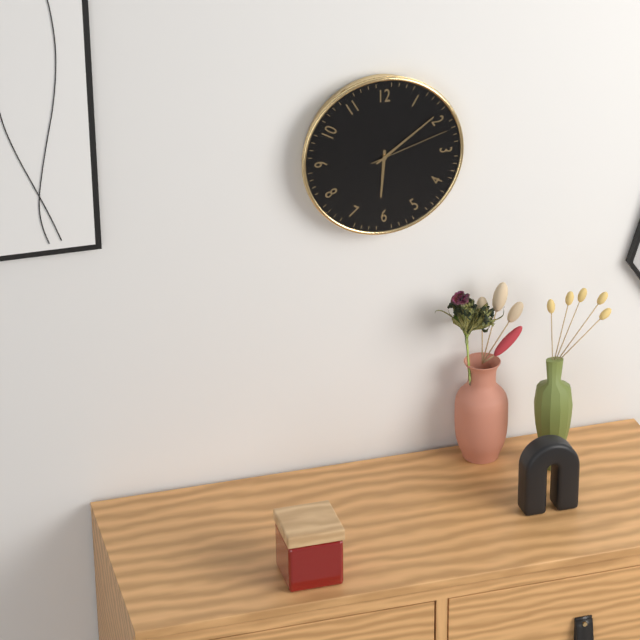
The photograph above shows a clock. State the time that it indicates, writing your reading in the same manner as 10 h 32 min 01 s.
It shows 6 h 09 min 12 s
